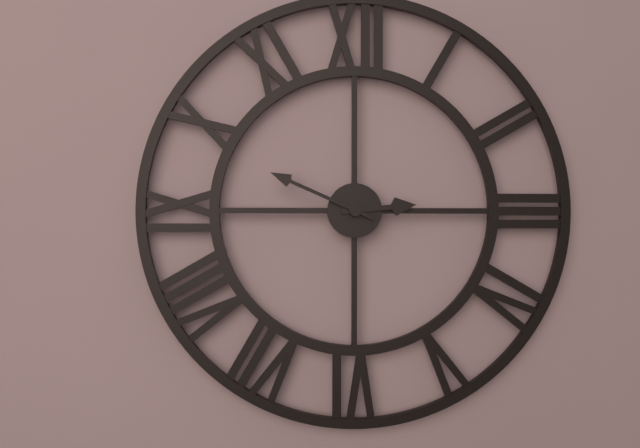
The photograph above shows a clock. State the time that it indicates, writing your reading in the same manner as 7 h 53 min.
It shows 2 h 49 min
